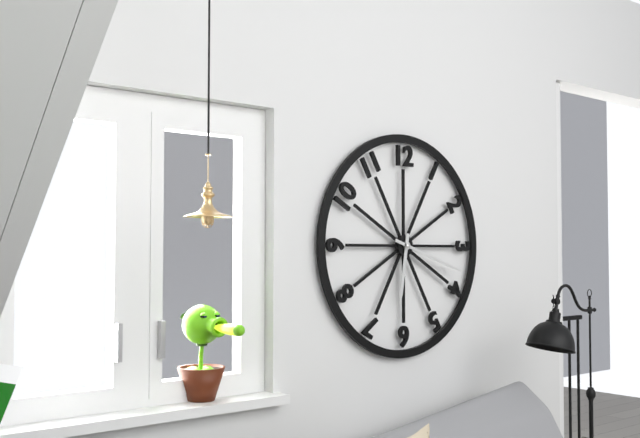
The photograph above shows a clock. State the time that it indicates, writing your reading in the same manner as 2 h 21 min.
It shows 6 h 18 min
